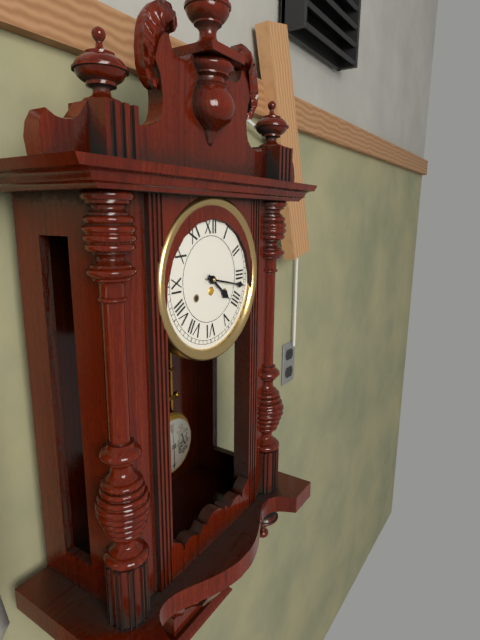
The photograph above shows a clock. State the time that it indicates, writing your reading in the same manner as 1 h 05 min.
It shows 4 h 17 min
